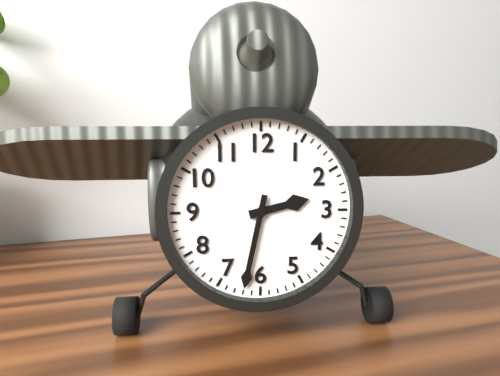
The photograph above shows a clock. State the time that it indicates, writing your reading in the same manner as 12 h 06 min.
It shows 2 h 32 min
